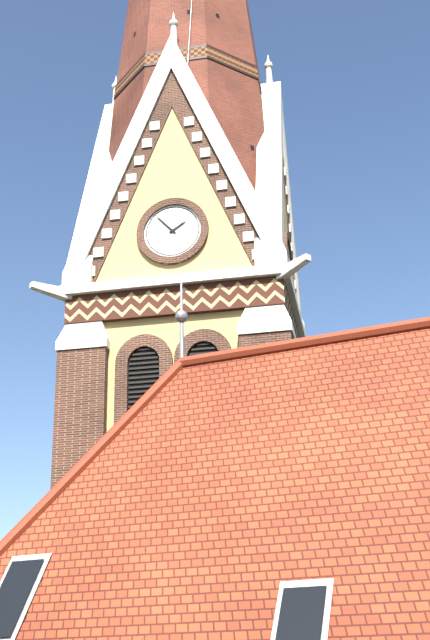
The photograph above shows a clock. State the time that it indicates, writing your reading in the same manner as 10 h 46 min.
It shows 1 h 53 min
